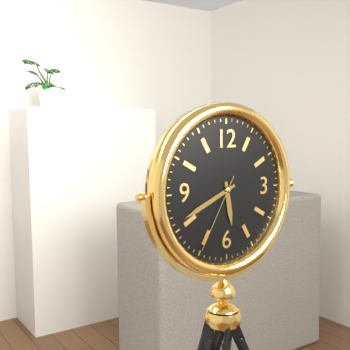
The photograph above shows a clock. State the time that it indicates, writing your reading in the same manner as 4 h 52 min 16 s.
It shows 5 h 41 min 35 s
